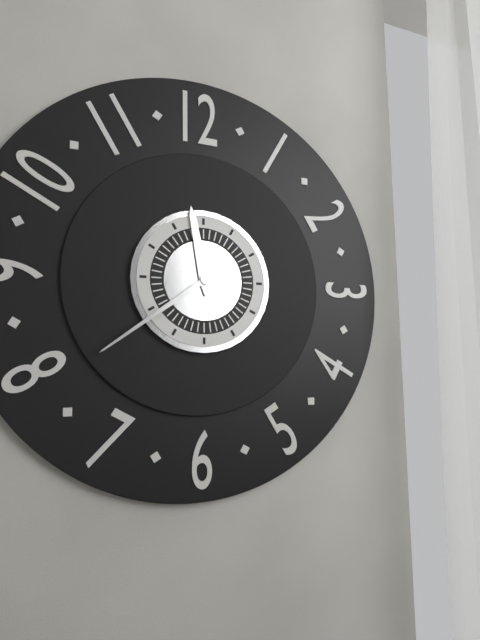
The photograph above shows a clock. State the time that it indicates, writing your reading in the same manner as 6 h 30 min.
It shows 11 h 39 min
